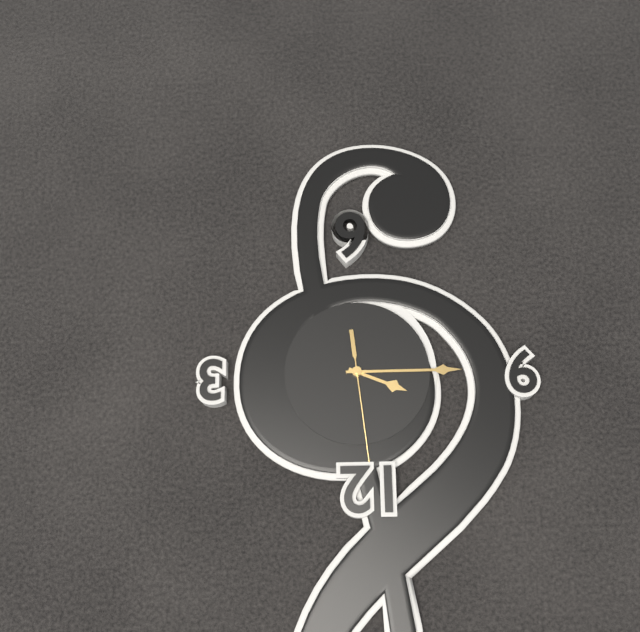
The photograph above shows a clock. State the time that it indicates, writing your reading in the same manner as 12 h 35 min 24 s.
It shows 9 h 45 min 59 s
